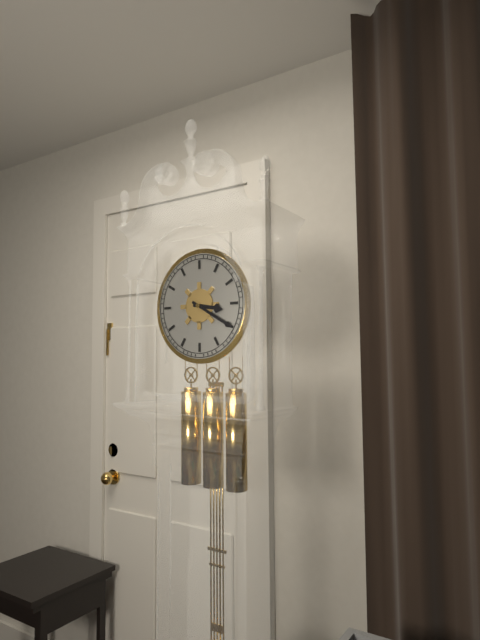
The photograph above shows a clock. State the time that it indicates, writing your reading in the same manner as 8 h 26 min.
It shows 3 h 20 min
